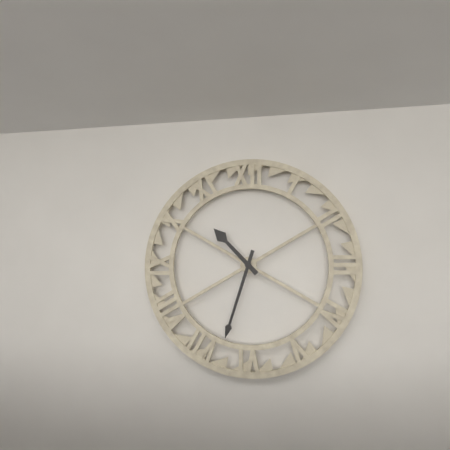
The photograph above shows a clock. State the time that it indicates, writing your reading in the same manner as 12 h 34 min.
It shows 10 h 33 min
